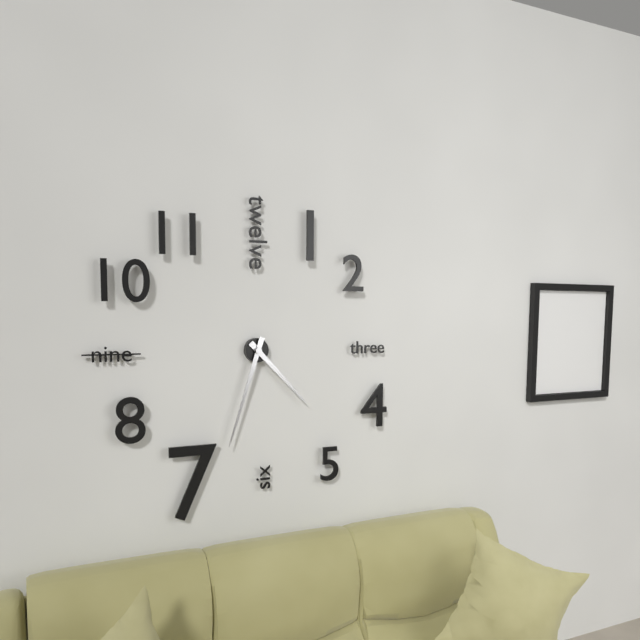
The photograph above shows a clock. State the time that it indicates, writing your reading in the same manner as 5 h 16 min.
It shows 4 h 33 min
